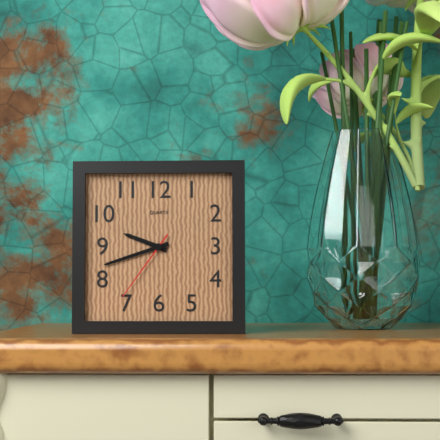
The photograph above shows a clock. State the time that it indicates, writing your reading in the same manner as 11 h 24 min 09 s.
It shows 9 h 42 min 36 s
